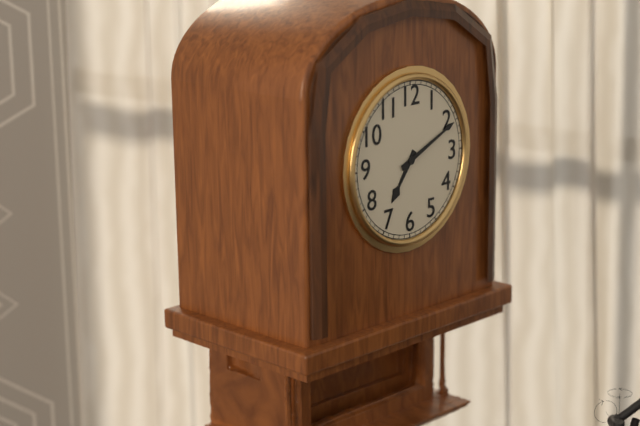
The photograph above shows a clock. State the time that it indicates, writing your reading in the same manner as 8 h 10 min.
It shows 7 h 11 min
